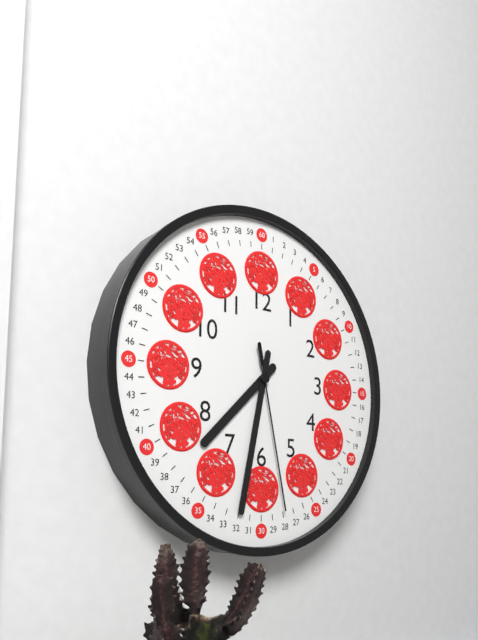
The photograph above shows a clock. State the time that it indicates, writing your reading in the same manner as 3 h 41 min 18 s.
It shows 7 h 32 min 28 s
